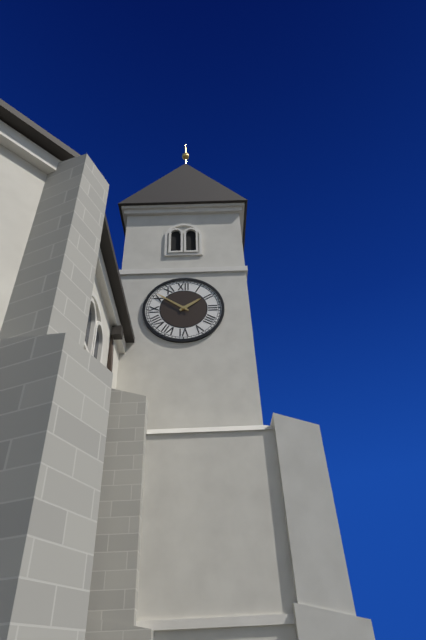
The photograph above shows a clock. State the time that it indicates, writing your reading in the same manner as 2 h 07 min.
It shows 1 h 51 min
